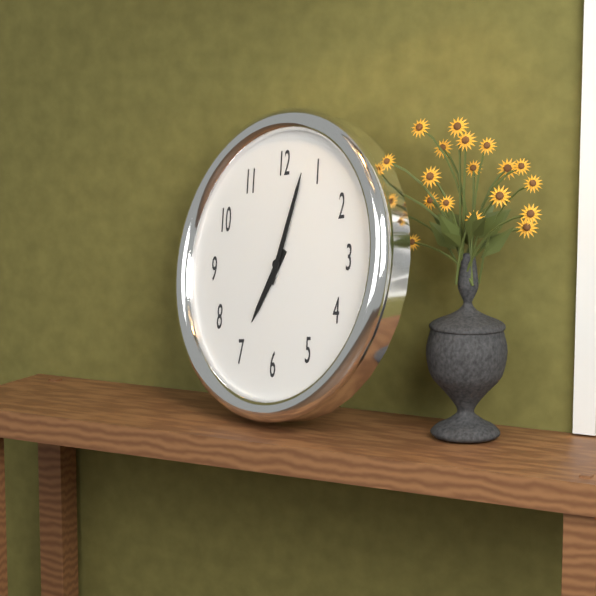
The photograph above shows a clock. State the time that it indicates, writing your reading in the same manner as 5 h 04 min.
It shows 7 h 03 min
